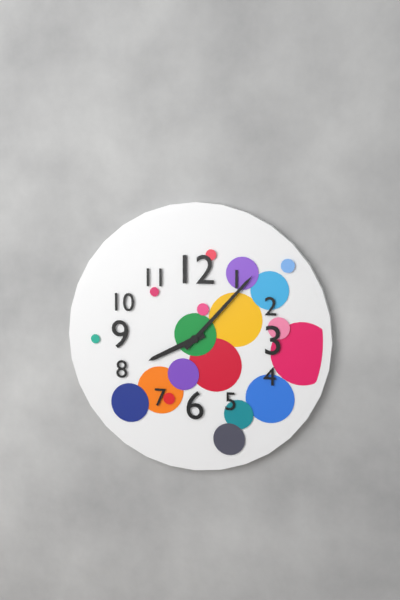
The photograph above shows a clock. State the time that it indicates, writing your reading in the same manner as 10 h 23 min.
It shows 8 h 07 min
